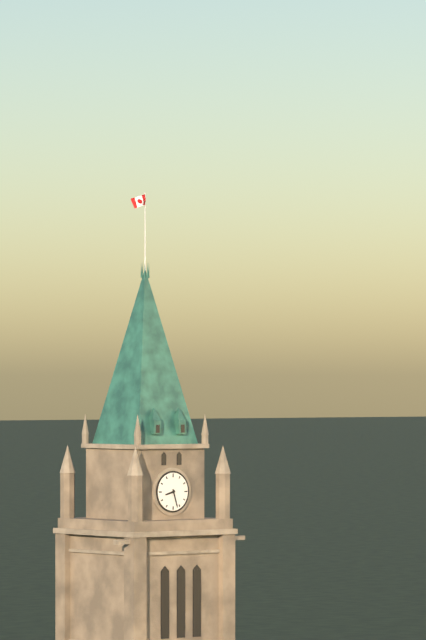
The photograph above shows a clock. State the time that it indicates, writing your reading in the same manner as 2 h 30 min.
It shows 8 h 27 min
